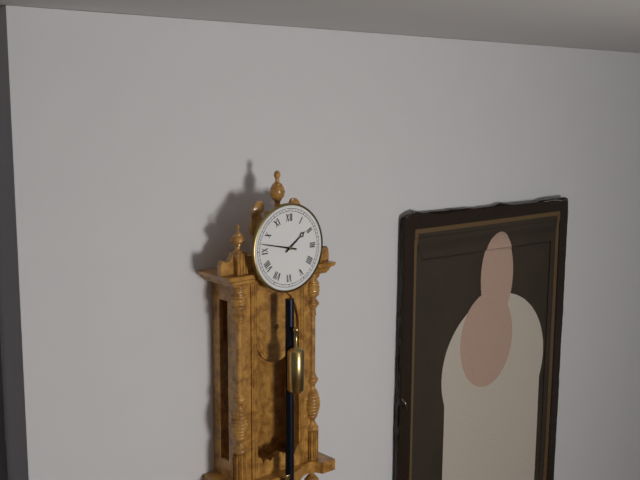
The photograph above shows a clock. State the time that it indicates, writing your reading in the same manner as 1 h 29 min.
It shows 1 h 47 min
